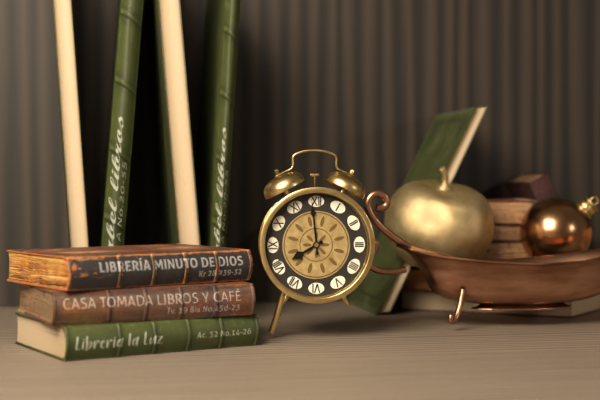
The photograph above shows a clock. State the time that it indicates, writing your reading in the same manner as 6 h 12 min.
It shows 7 h 59 min
